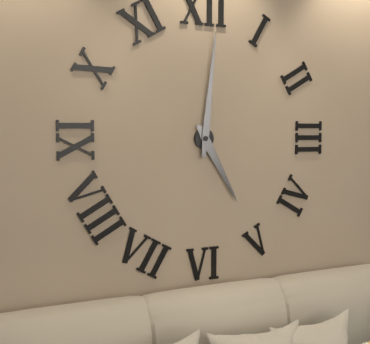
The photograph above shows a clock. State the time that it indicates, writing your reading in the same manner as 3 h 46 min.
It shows 5 h 01 min
